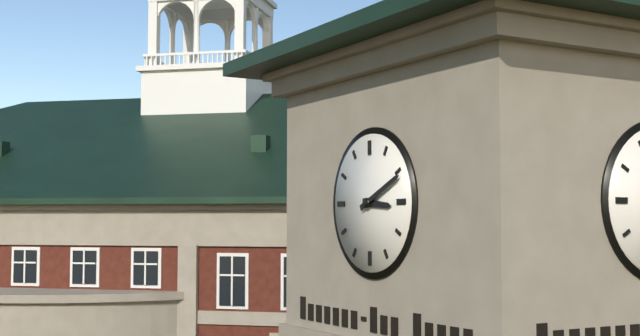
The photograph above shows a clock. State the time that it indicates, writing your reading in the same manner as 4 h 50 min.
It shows 3 h 11 min
